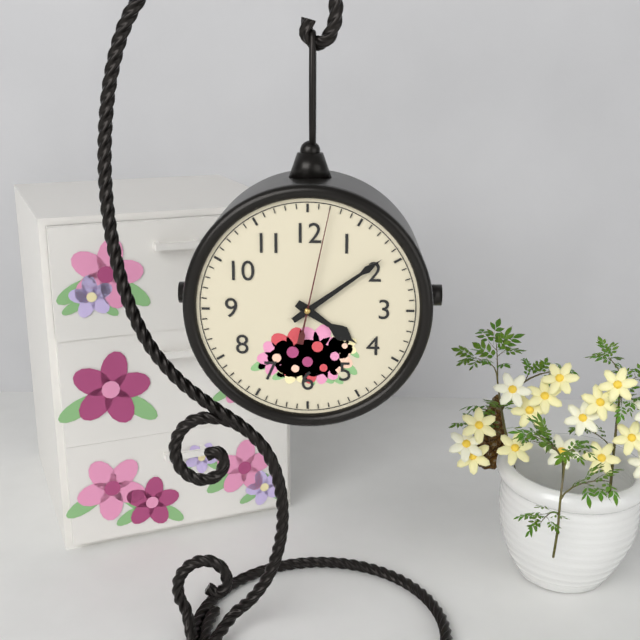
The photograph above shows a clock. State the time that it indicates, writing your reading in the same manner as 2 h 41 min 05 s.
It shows 4 h 09 min 02 s
